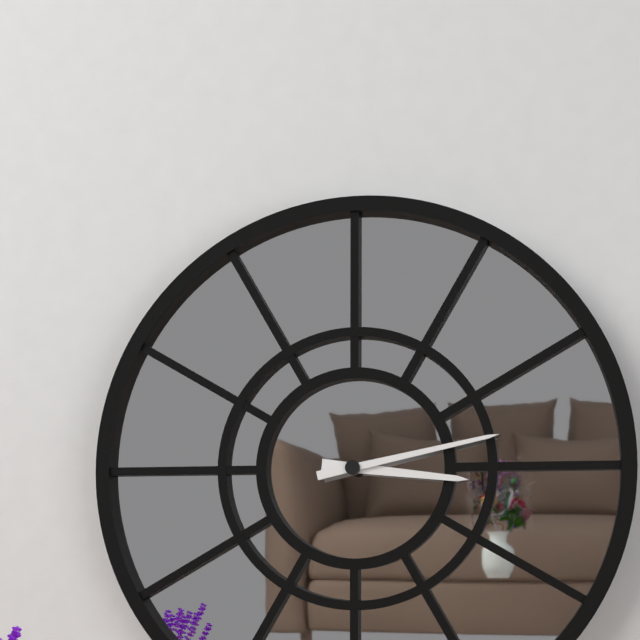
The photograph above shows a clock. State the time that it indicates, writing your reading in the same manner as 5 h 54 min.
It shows 3 h 13 min
